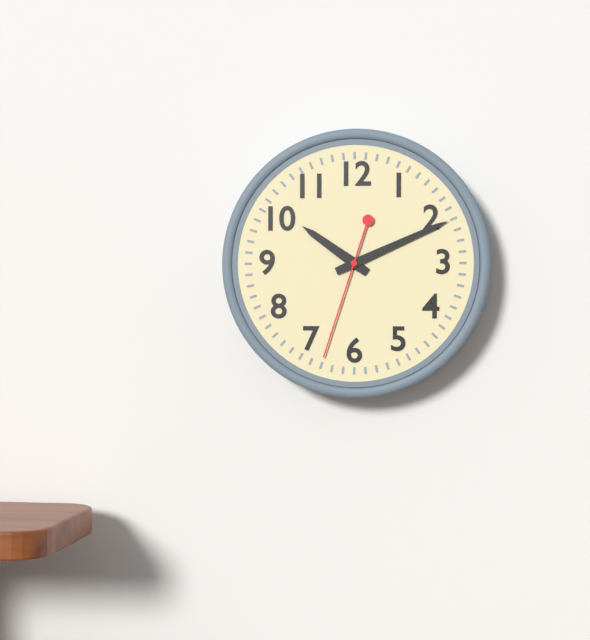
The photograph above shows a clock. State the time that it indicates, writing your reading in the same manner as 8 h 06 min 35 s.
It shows 10 h 11 min 33 s
